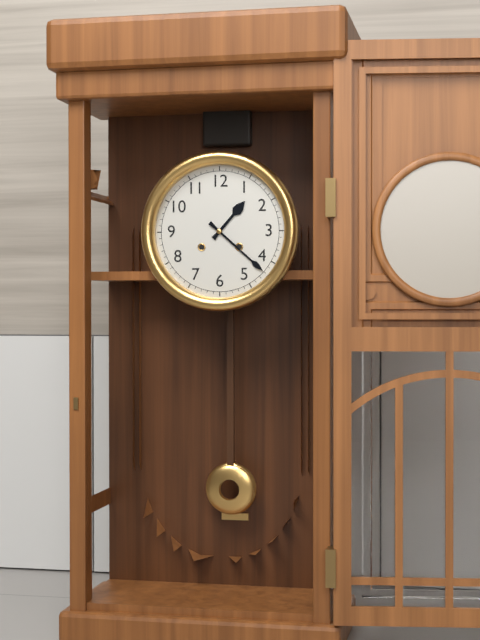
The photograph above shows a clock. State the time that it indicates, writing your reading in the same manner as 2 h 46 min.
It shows 1 h 22 min
